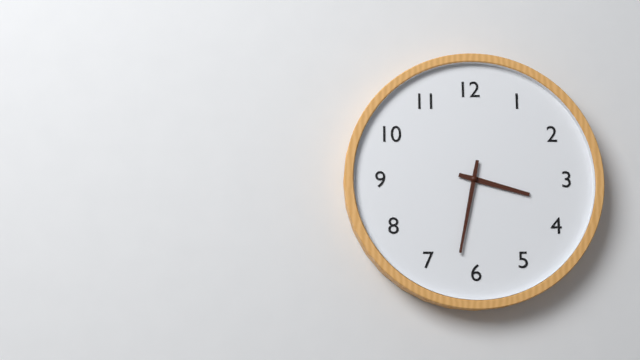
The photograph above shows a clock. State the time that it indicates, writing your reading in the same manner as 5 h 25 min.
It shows 3 h 32 min
